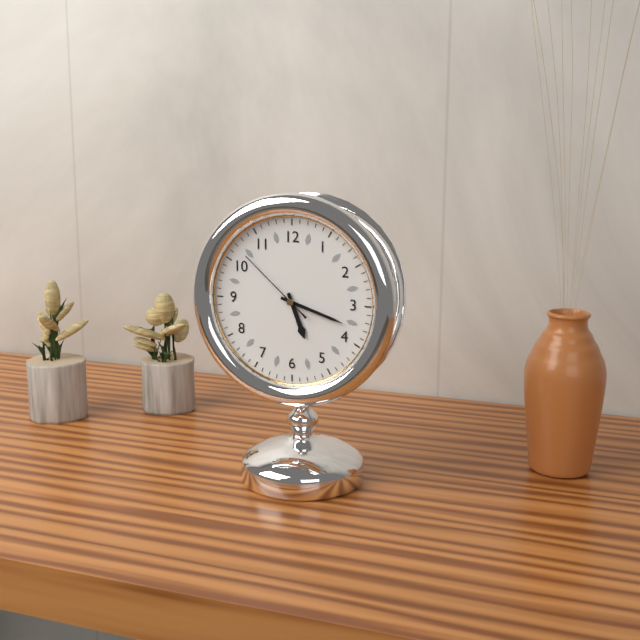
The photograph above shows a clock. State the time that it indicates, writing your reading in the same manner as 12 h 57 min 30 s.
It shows 5 h 18 min 52 s
